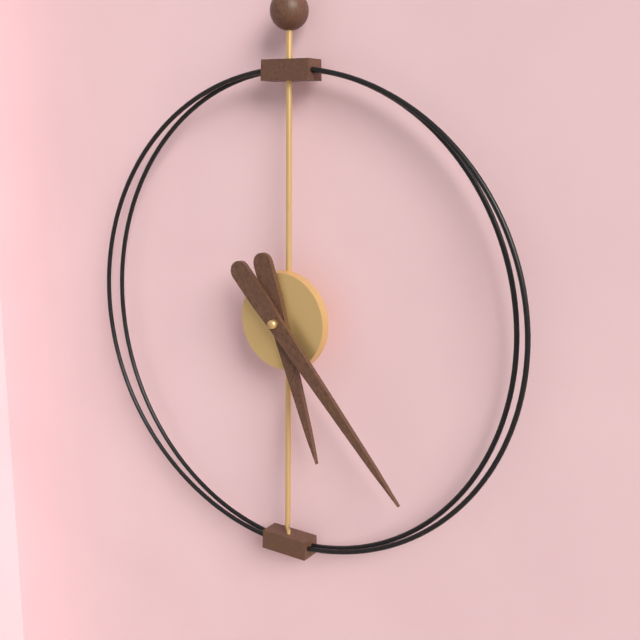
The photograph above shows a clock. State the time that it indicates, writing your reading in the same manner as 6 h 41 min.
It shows 5 h 23 min
